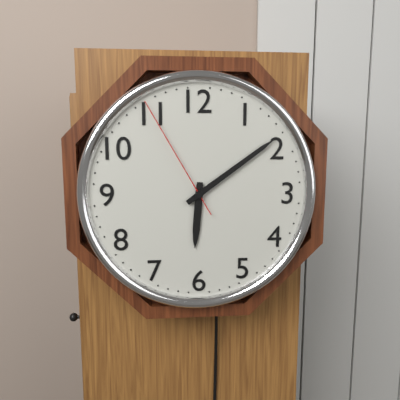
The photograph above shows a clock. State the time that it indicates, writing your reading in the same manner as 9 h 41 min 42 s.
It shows 6 h 09 min 55 s
